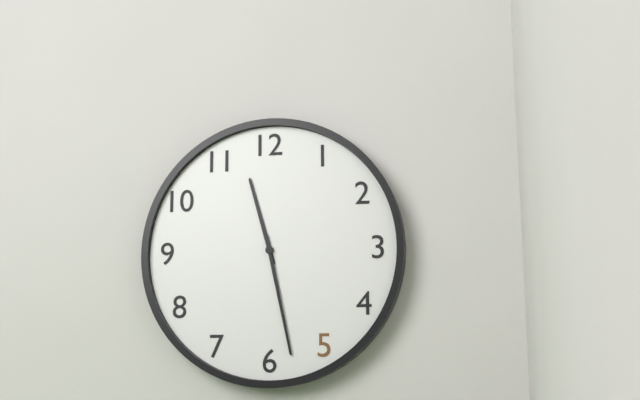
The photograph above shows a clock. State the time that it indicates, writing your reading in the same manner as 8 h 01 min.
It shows 11 h 28 min
